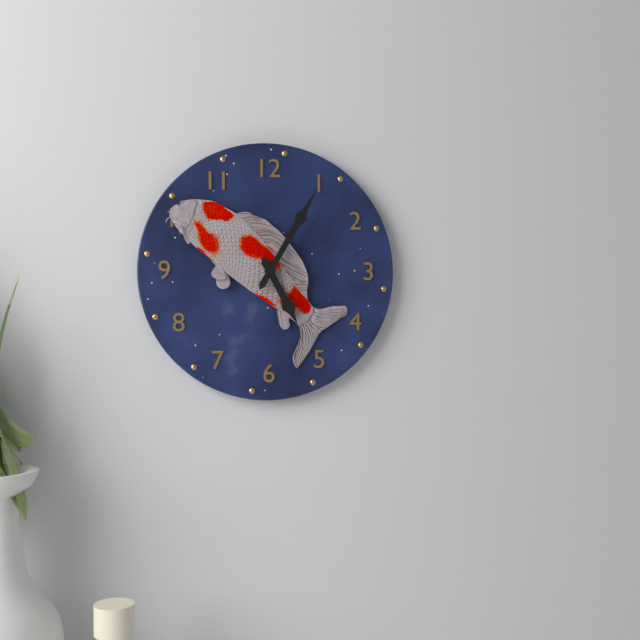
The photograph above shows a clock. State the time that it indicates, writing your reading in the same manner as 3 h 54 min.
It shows 5 h 05 min
